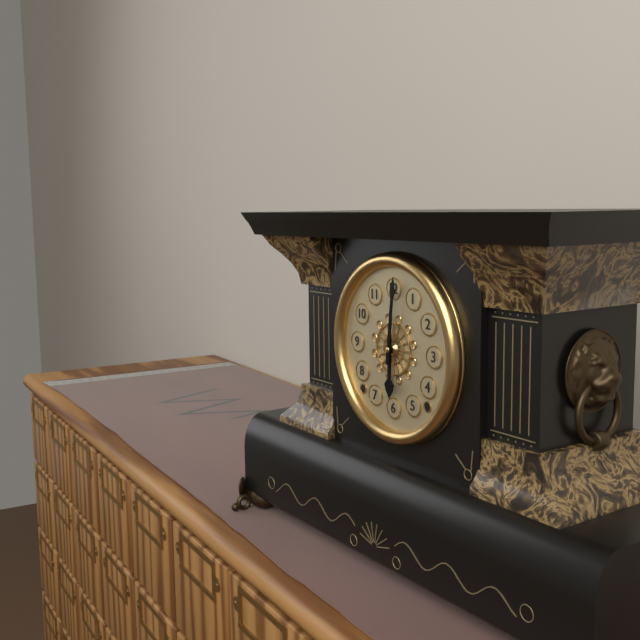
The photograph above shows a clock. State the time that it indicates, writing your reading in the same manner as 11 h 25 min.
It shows 6 h 01 min
